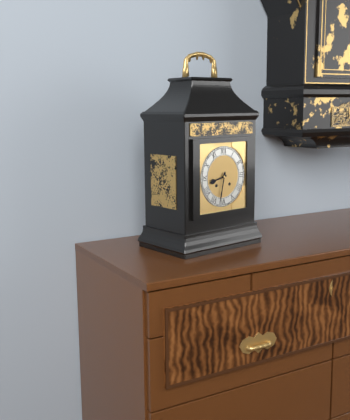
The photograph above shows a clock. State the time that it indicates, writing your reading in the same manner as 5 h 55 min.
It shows 8 h 32 min
